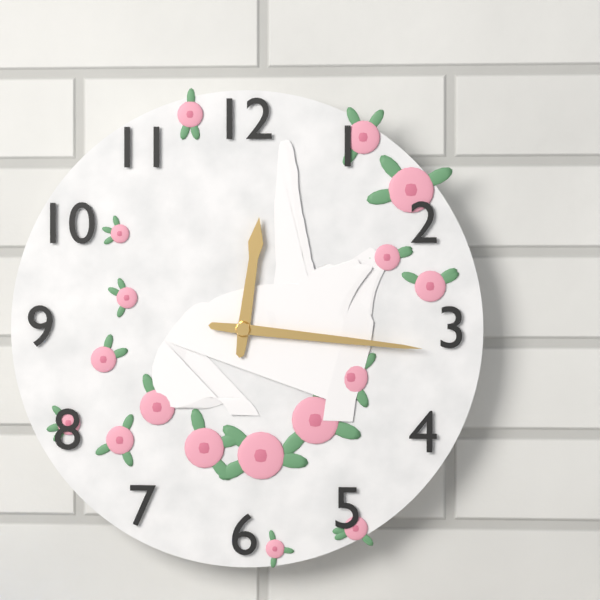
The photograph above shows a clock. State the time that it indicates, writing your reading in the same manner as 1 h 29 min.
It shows 12 h 16 min
